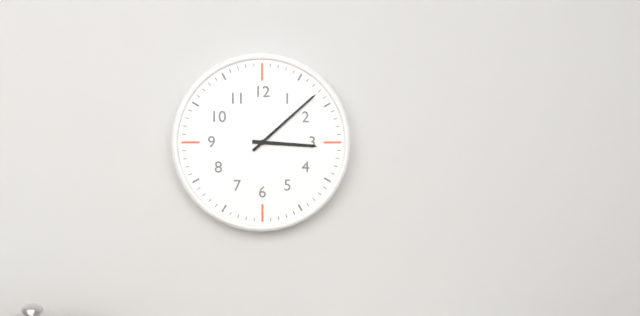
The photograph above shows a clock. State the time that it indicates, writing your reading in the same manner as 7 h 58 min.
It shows 3 h 08 min
